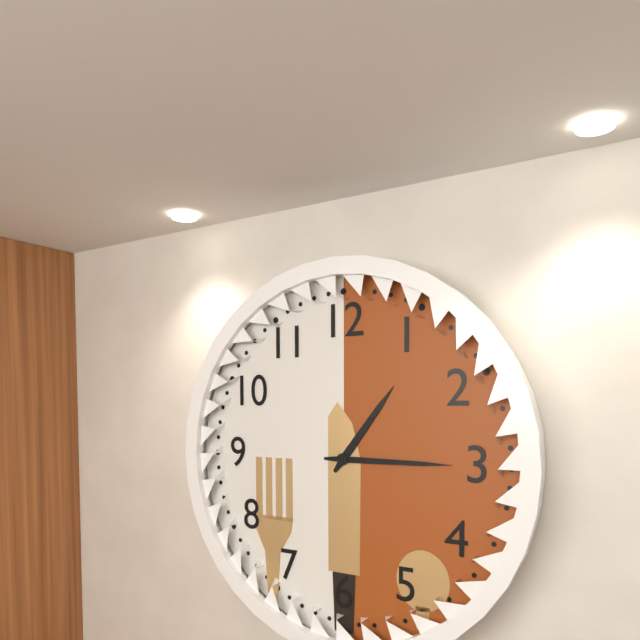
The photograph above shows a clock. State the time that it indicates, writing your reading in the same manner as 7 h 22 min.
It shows 1 h 15 min
